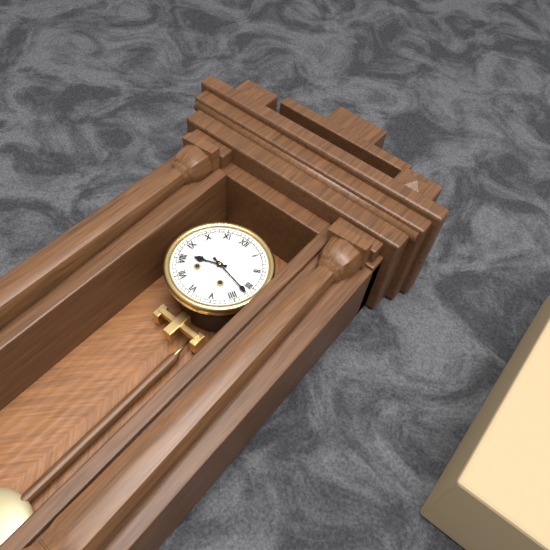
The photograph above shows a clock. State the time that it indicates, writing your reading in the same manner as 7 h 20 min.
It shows 8 h 17 min
